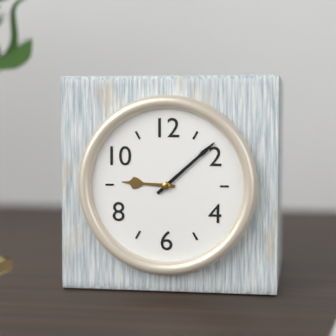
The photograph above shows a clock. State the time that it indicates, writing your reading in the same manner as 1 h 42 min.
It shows 9 h 08 min
